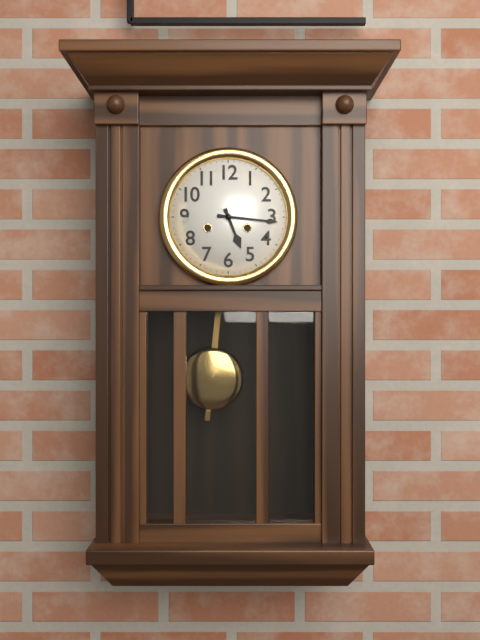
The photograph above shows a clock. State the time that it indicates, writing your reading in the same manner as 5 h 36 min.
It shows 5 h 16 min
